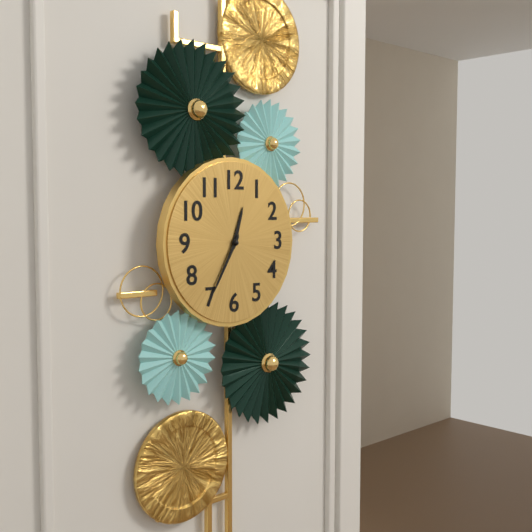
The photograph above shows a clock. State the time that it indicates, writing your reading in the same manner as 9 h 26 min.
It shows 12 h 35 min
